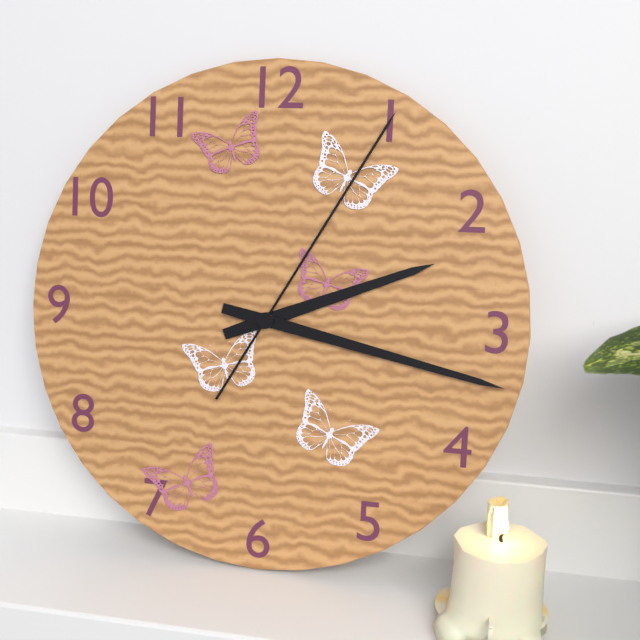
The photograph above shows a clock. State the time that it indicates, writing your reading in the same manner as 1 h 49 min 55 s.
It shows 2 h 17 min 05 s
